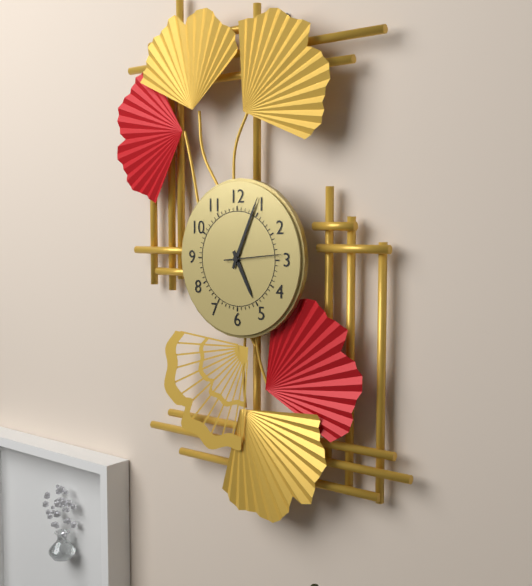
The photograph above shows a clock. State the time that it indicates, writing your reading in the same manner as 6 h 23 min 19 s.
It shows 5 h 04 min 14 s
